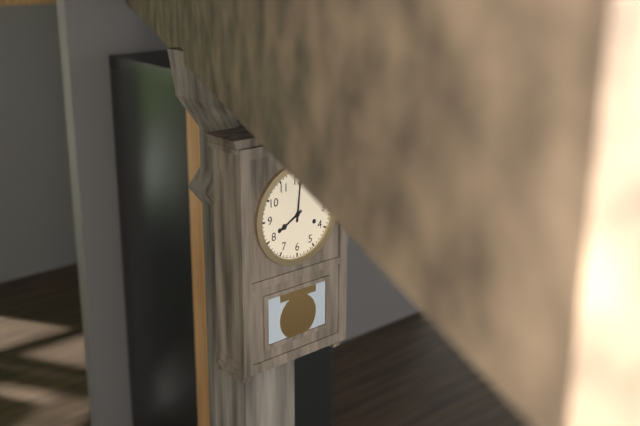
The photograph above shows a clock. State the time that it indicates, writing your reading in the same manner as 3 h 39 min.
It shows 8 h 01 min
